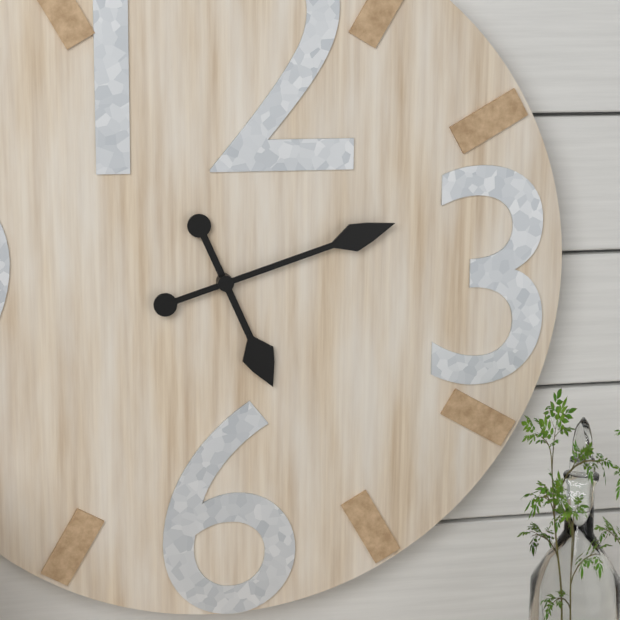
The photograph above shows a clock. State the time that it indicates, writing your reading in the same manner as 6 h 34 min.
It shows 5 h 12 min
